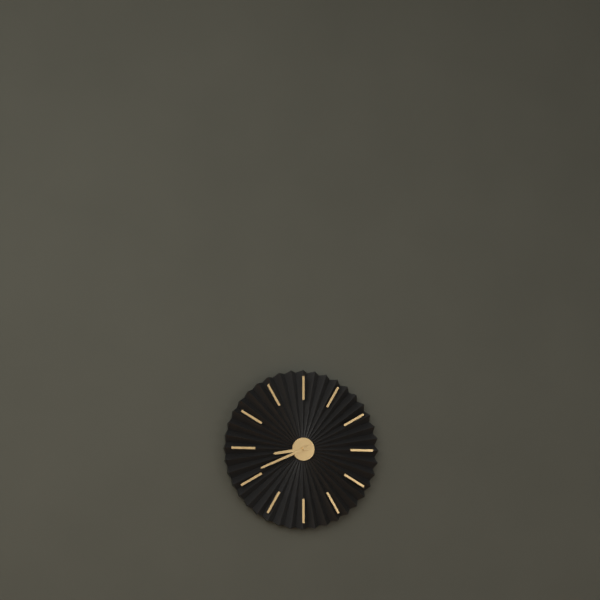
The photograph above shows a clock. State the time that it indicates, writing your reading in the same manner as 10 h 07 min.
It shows 8 h 41 min
